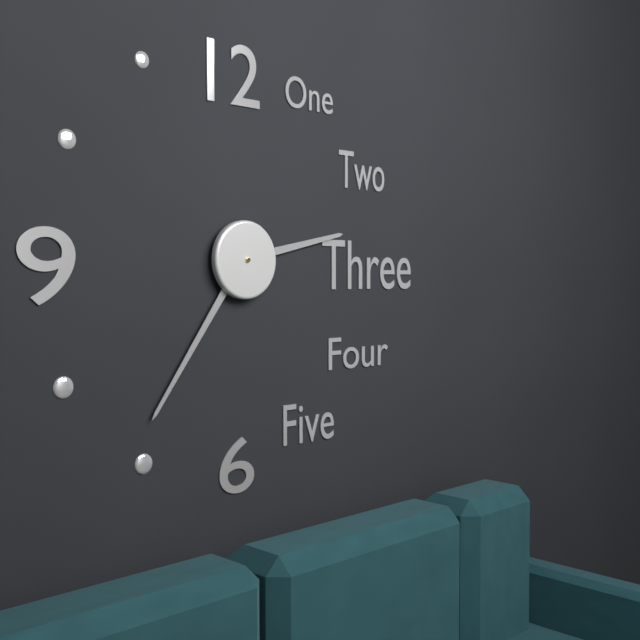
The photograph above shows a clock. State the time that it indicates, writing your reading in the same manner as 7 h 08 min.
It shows 2 h 36 min
